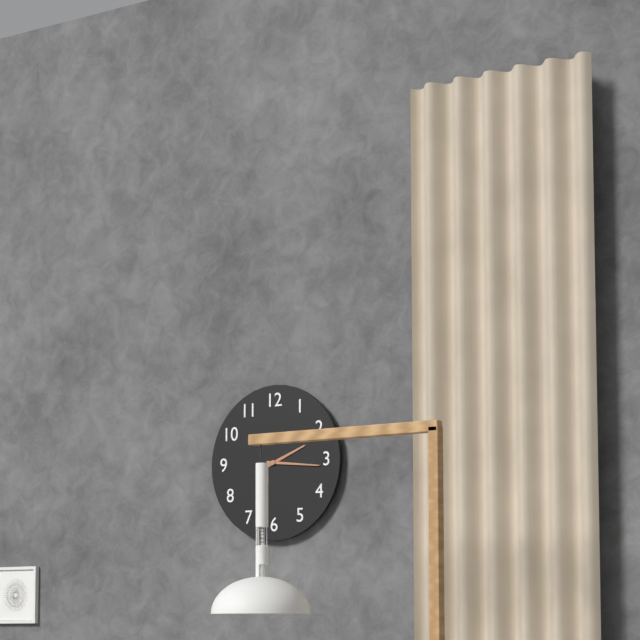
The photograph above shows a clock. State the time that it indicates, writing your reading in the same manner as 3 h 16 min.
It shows 2 h 16 min
